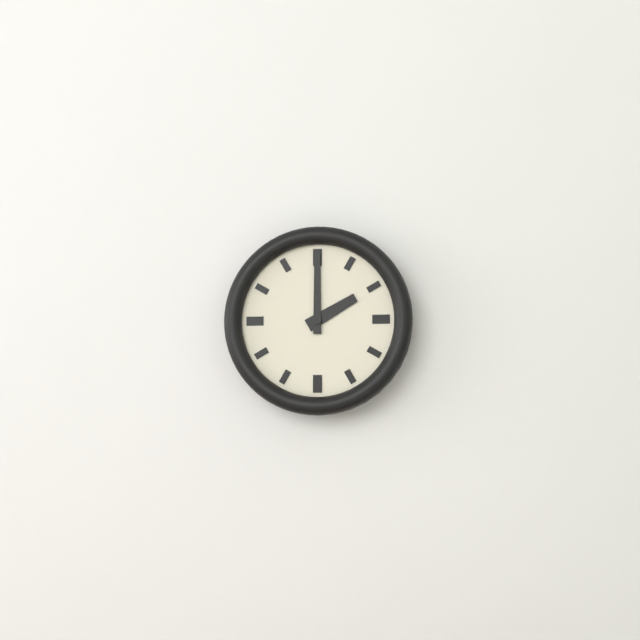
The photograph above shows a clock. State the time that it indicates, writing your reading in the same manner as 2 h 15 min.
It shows 2 h 00 min
